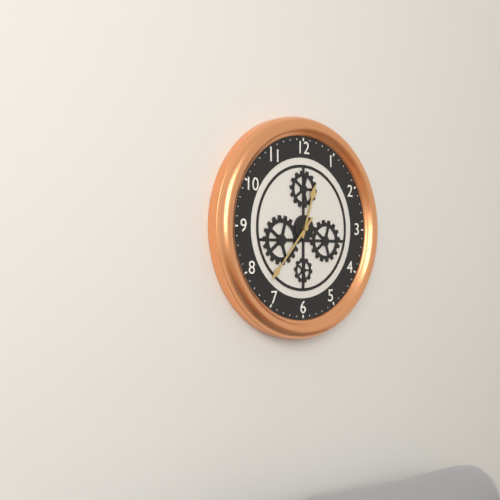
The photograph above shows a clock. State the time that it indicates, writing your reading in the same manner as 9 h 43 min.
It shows 12 h 37 min
